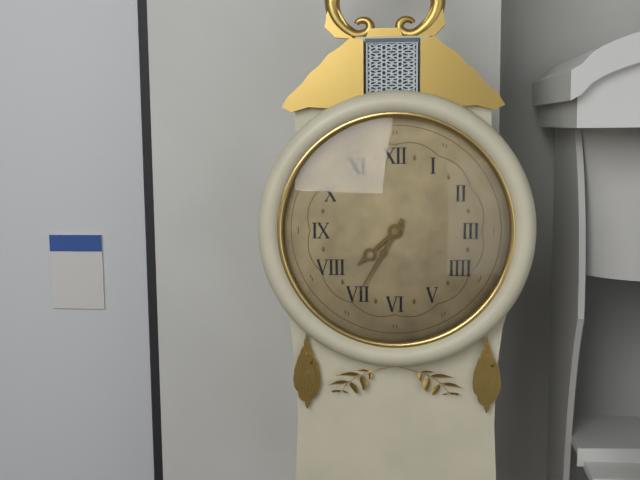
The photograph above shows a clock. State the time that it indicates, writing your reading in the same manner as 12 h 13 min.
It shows 7 h 35 min
